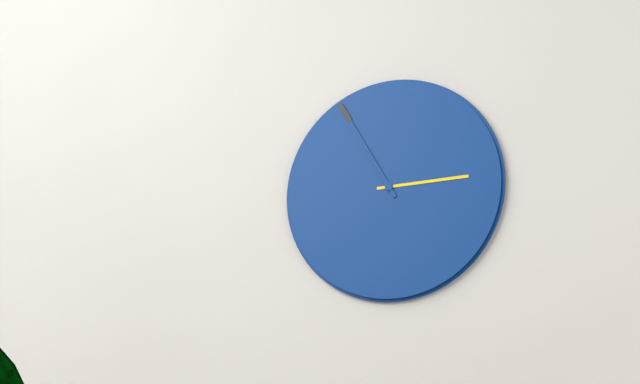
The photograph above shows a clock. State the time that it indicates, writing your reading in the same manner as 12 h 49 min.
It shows 2 h 55 min
